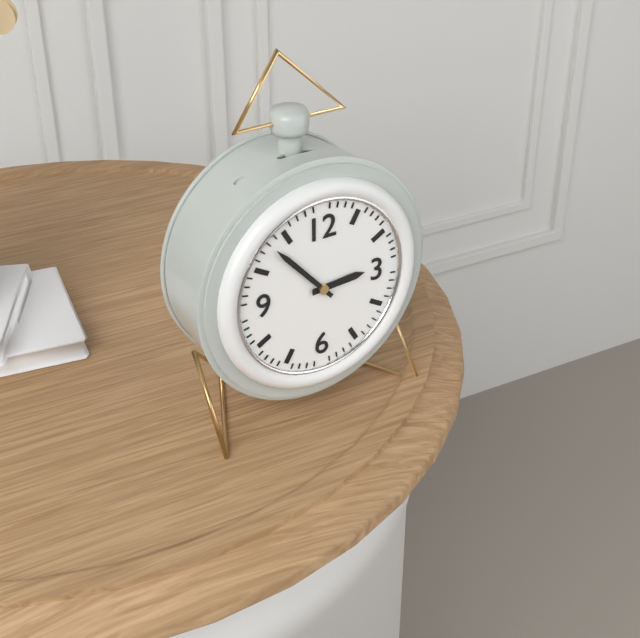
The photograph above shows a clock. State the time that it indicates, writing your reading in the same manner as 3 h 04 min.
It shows 2 h 53 min
